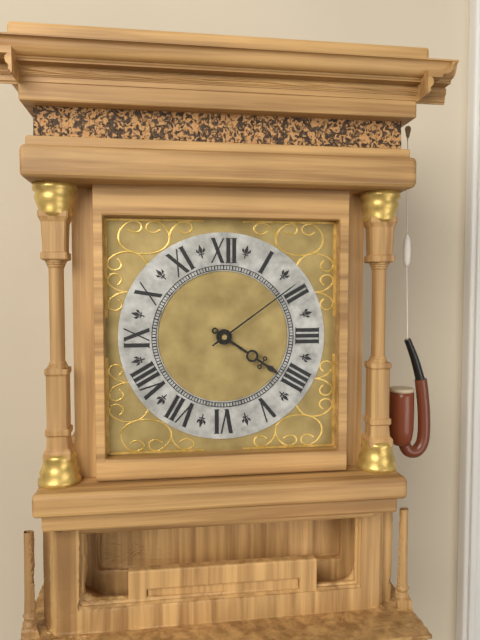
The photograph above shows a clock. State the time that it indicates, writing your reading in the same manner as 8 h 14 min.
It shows 4 h 09 min
